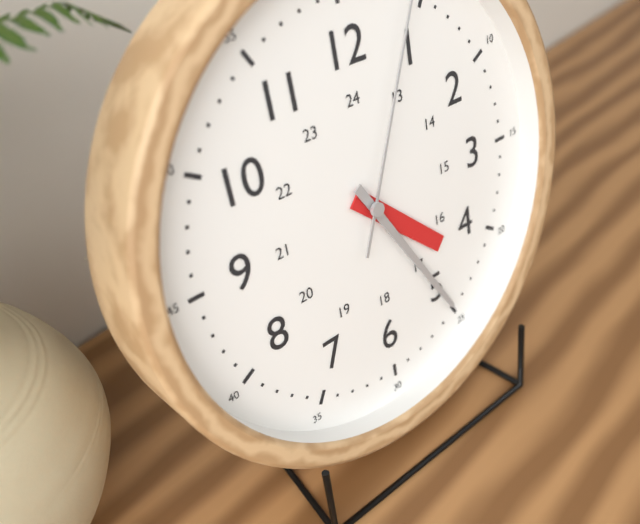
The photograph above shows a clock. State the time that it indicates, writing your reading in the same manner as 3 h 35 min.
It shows 4 h 25 min
